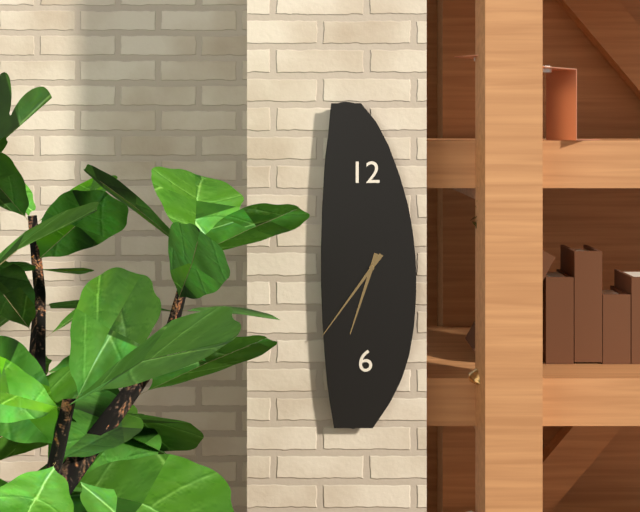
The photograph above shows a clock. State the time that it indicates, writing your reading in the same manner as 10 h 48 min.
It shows 6 h 36 min
